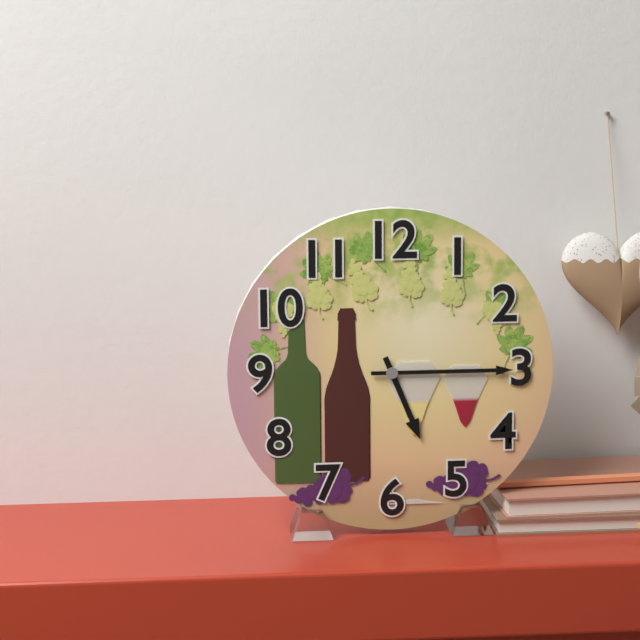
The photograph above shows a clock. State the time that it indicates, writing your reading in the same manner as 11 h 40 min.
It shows 5 h 15 min
